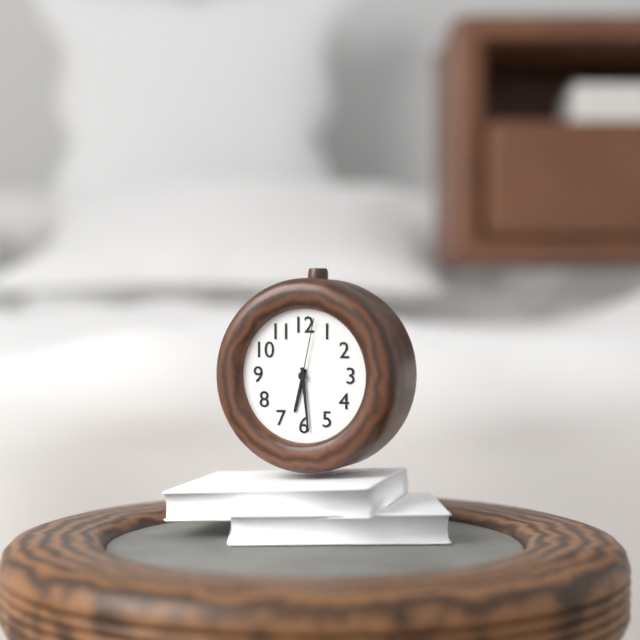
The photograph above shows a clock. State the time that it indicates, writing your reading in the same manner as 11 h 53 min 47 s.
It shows 6 h 29 min 02 s
